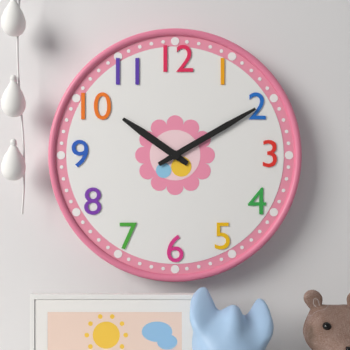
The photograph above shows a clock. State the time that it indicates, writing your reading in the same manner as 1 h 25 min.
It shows 10 h 10 min
